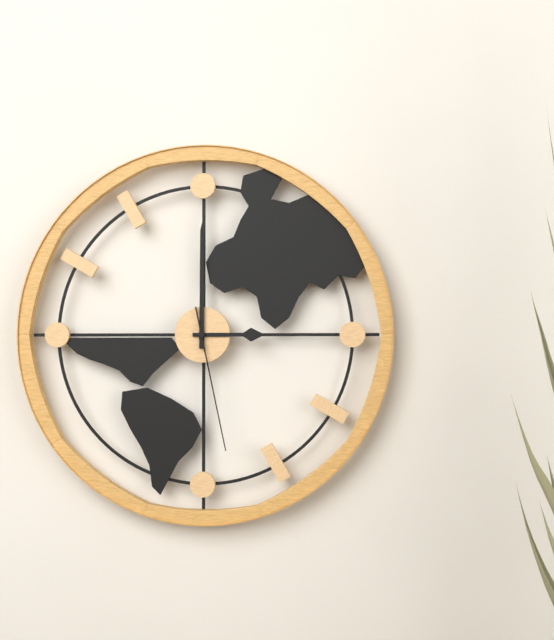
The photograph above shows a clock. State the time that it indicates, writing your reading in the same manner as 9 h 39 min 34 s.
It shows 3 h 00 min 28 s
